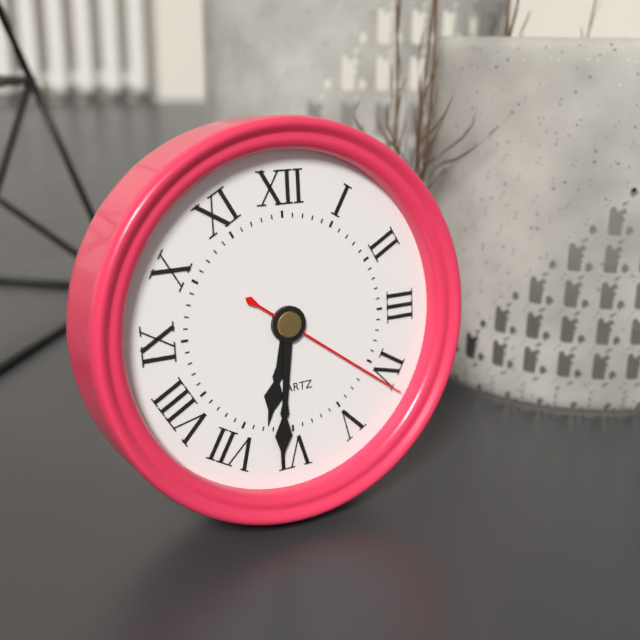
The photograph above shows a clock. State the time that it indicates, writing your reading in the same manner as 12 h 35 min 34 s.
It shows 6 h 31 min 21 s
